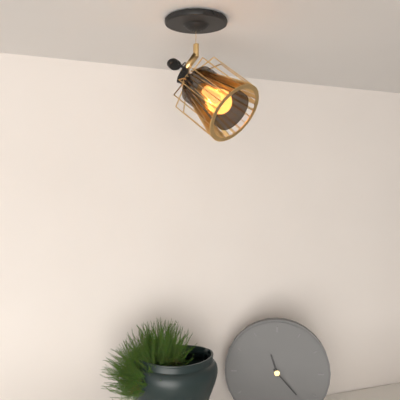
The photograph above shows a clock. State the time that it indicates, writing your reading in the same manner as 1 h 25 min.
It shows 11 h 23 min
